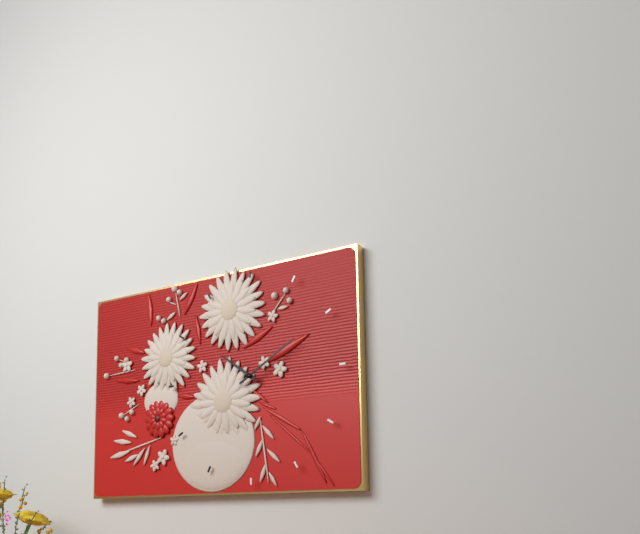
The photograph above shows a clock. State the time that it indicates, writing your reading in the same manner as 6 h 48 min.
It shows 10 h 10 min
